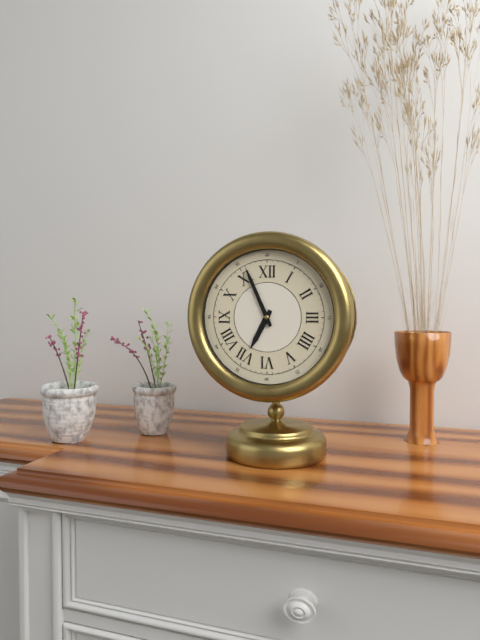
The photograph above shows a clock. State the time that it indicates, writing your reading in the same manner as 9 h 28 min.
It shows 6 h 56 min
